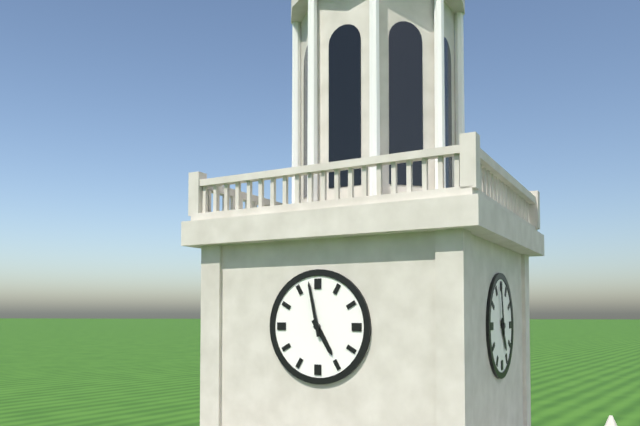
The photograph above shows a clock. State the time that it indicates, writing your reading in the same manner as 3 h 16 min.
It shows 4 h 58 min
